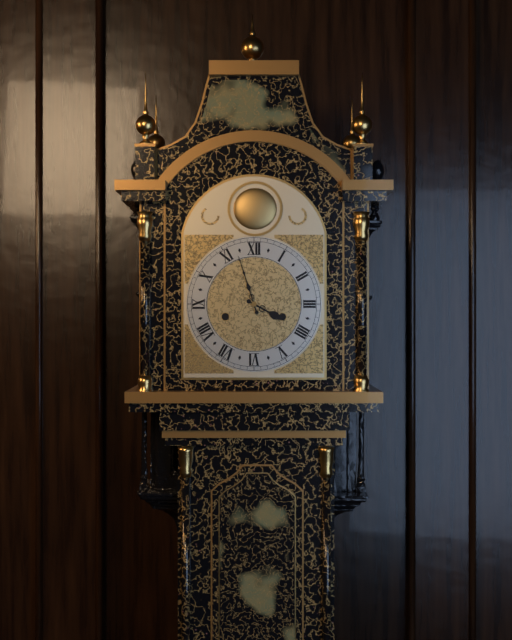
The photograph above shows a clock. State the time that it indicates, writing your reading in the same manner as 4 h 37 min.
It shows 3 h 57 min
